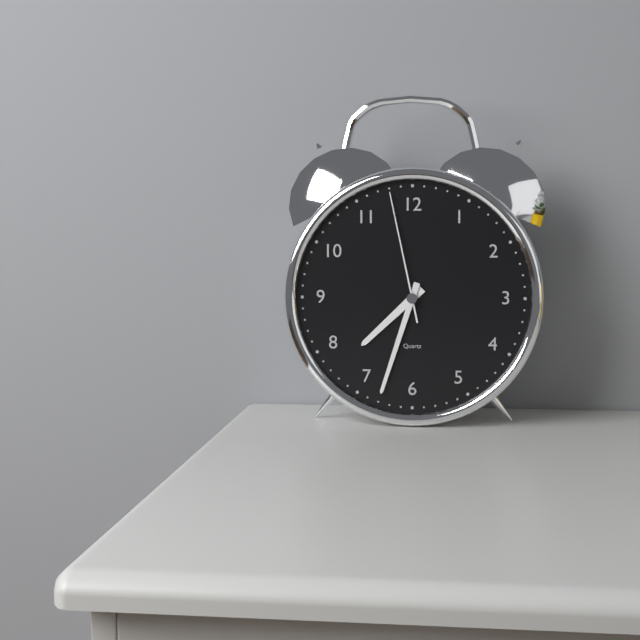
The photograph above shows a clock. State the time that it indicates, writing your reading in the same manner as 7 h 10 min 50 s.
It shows 7 h 33 min 58 s
